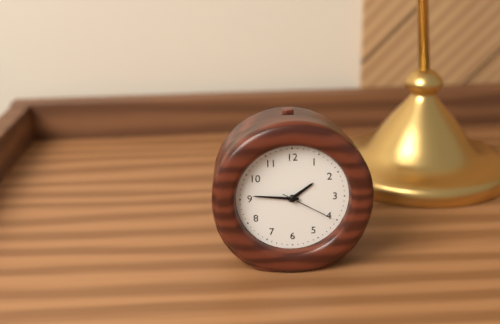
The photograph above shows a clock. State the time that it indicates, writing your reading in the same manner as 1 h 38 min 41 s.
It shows 1 h 46 min 20 s
